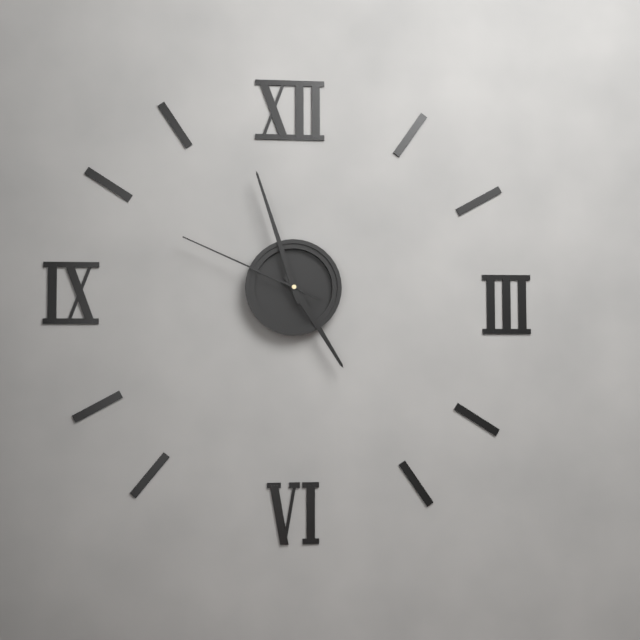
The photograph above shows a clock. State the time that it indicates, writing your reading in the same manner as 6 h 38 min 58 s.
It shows 4 h 57 min 49 s
